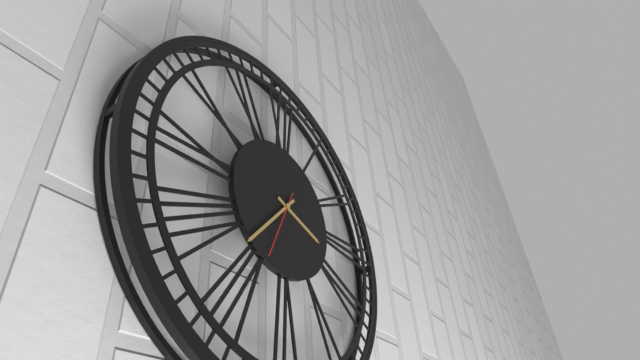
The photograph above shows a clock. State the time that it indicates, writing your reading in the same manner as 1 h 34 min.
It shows 3 h 37 min
